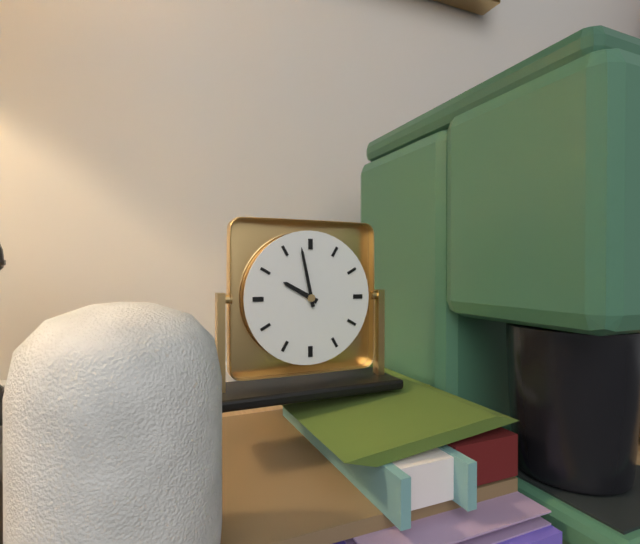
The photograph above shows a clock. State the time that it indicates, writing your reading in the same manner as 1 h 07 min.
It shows 9 h 58 min
